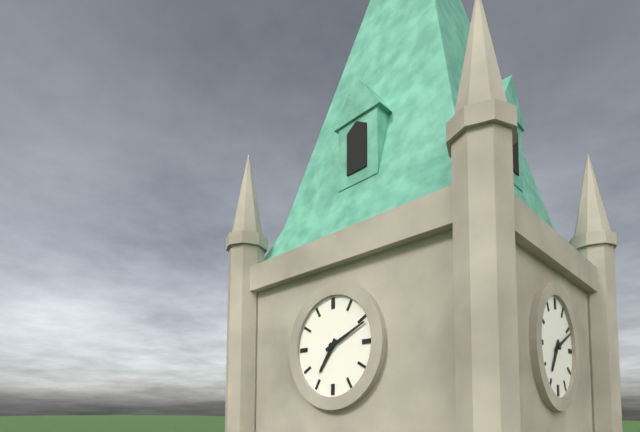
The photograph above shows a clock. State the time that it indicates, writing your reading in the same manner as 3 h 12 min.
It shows 7 h 11 min
